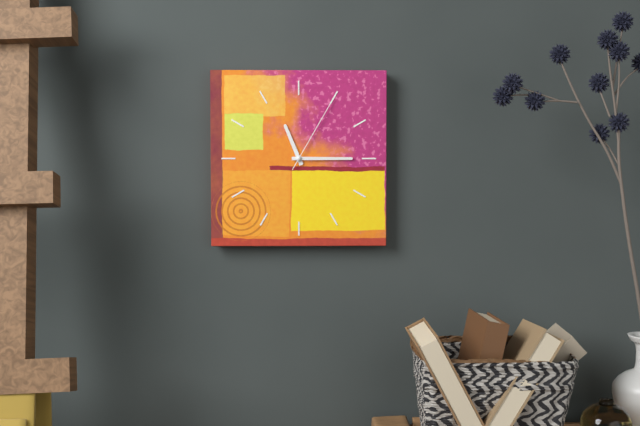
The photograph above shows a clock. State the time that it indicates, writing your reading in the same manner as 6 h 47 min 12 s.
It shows 11 h 15 min 05 s
